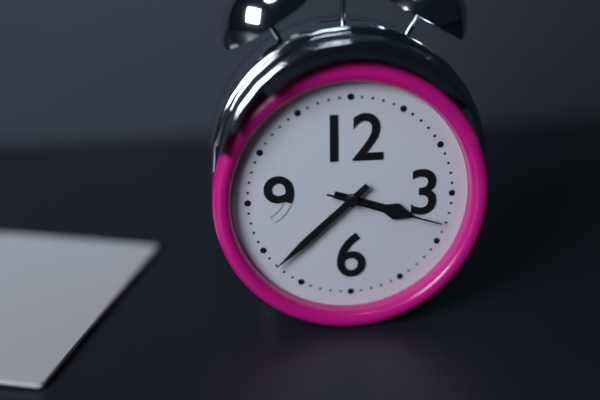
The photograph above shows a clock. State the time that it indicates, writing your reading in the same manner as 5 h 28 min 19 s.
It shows 3 h 38 min 18 s
